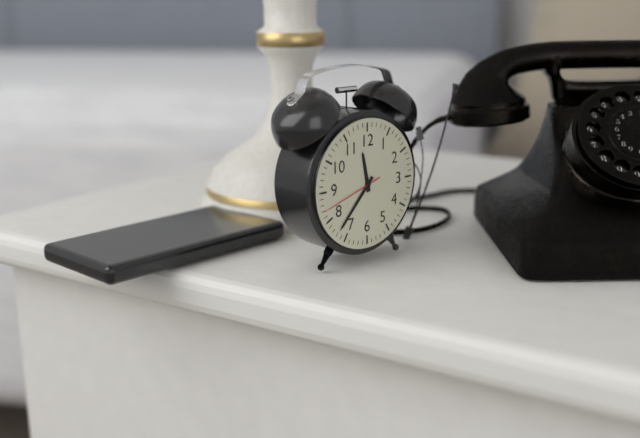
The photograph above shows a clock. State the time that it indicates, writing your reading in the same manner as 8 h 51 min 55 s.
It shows 11 h 37 min 42 s
